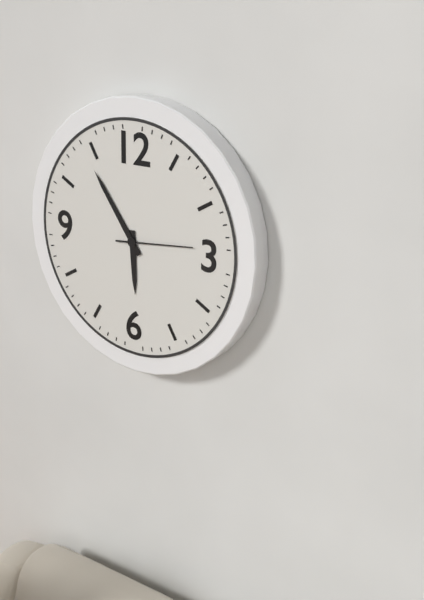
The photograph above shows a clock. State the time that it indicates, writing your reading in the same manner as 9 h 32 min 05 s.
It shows 5 h 54 min 14 s
